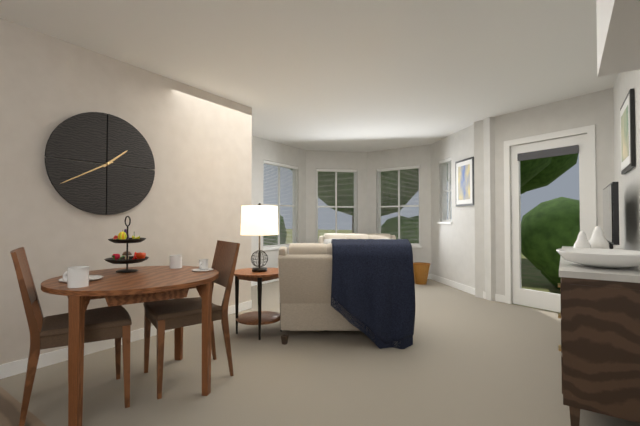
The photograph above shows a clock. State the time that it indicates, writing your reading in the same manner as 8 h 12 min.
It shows 1 h 40 min
